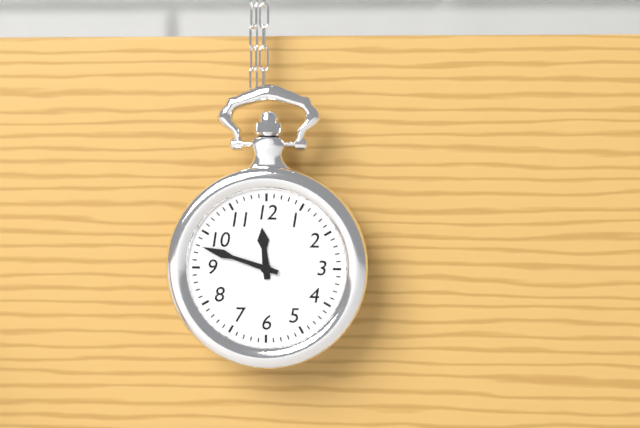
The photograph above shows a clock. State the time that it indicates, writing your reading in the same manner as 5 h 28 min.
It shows 11 h 48 min
